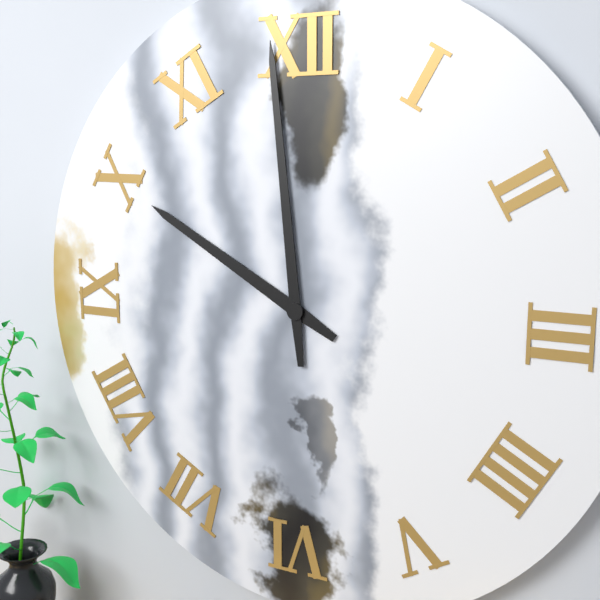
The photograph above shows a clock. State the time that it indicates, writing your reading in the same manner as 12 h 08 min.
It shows 9 h 59 min
